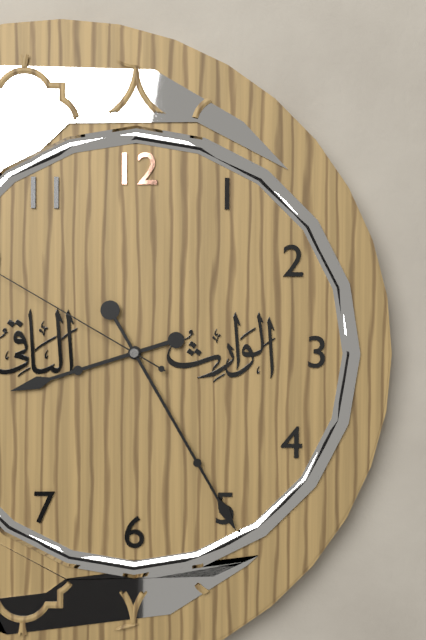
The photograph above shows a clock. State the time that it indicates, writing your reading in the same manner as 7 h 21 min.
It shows 8 h 25 min
